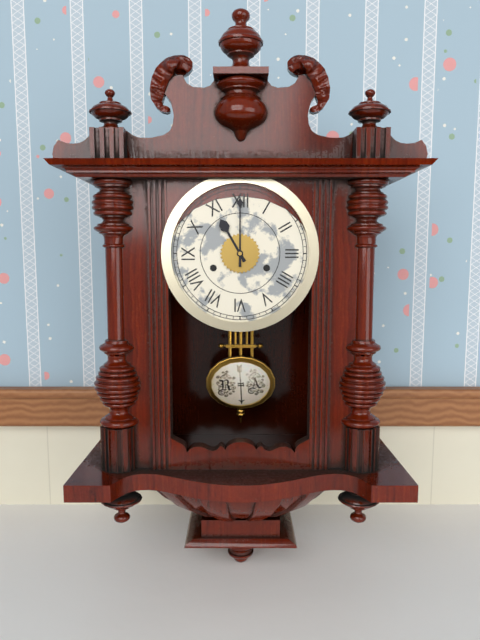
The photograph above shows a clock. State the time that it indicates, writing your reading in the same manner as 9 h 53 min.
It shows 11 h 00 min
